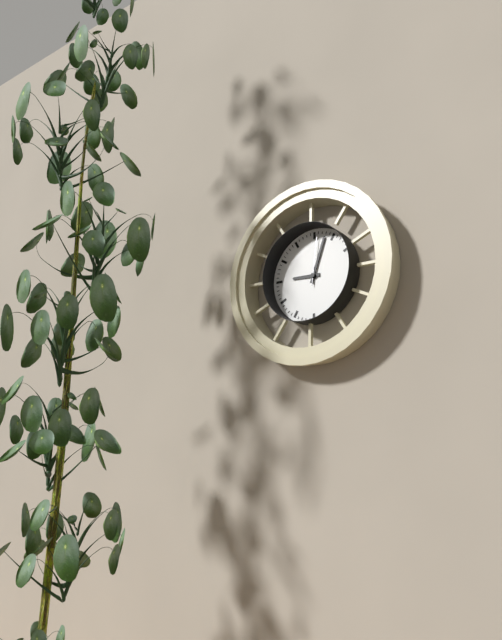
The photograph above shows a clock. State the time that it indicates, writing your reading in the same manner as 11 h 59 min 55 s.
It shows 9 h 03 min 01 s
